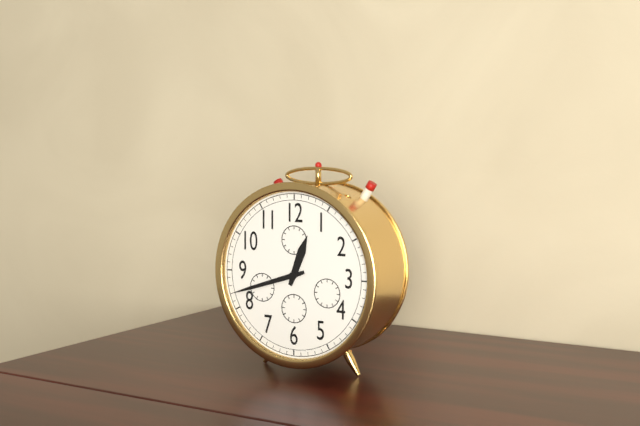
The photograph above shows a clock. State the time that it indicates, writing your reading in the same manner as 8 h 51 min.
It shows 12 h 42 min
